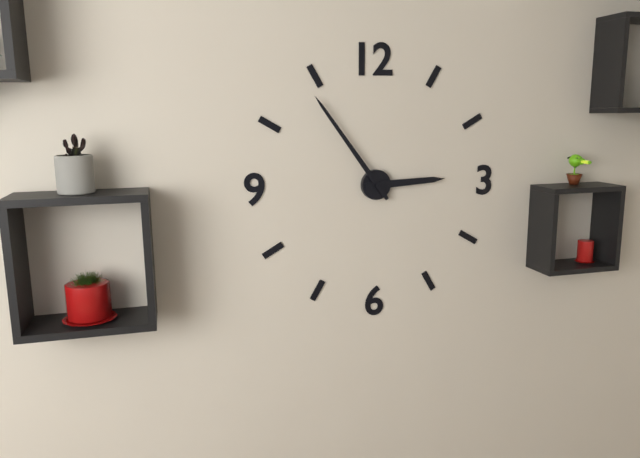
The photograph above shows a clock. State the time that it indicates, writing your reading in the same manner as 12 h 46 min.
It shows 2 h 54 min
